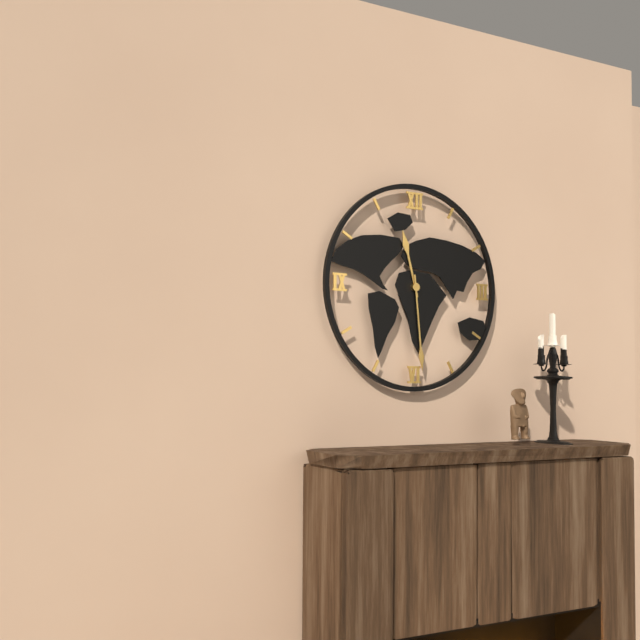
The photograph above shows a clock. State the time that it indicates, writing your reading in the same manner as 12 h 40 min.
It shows 11 h 29 min
